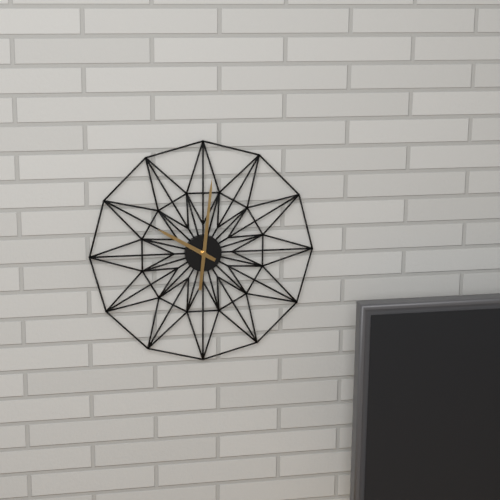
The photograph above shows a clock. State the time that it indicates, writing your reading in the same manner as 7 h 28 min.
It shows 10 h 01 min
